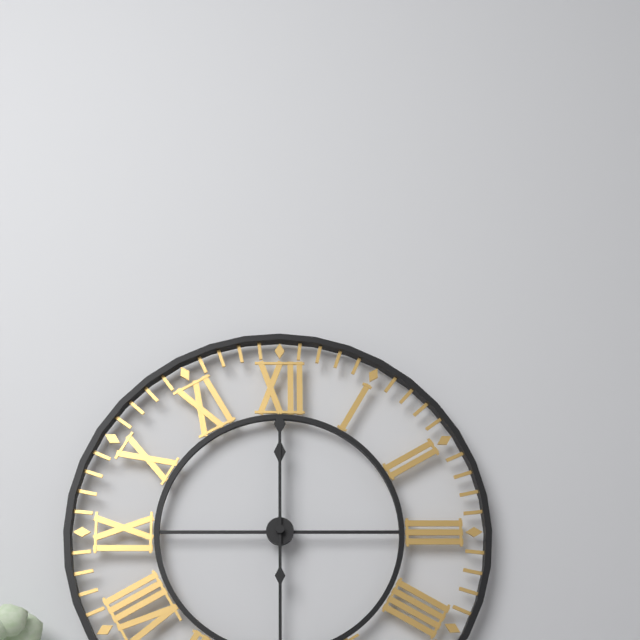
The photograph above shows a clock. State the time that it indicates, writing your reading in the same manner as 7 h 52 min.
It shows 12 h 00 min
